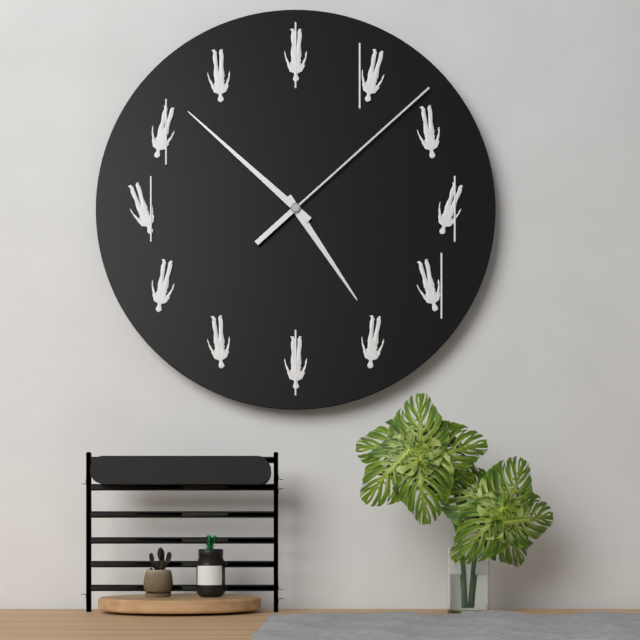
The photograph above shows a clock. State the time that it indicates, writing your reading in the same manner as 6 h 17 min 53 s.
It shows 4 h 52 min 08 s
